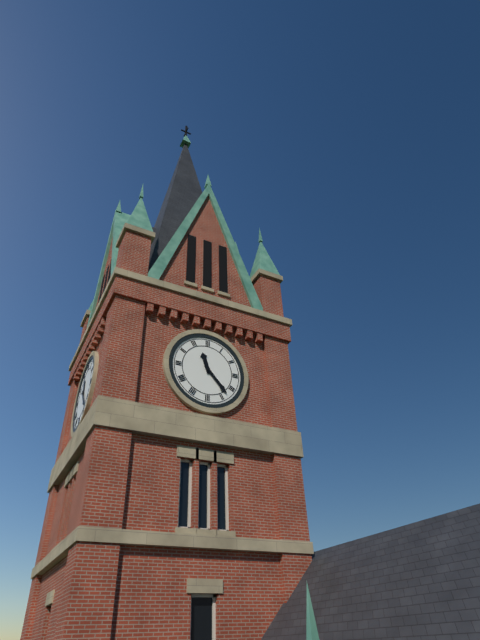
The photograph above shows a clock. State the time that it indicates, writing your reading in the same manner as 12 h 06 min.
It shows 11 h 23 min
